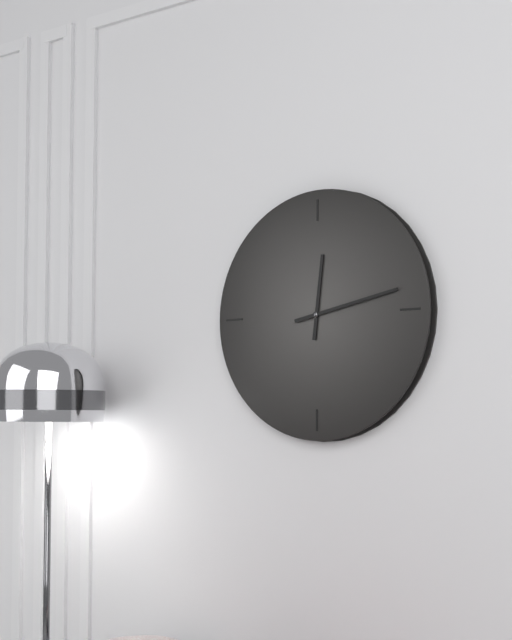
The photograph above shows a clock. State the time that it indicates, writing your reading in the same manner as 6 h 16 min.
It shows 12 h 13 min
